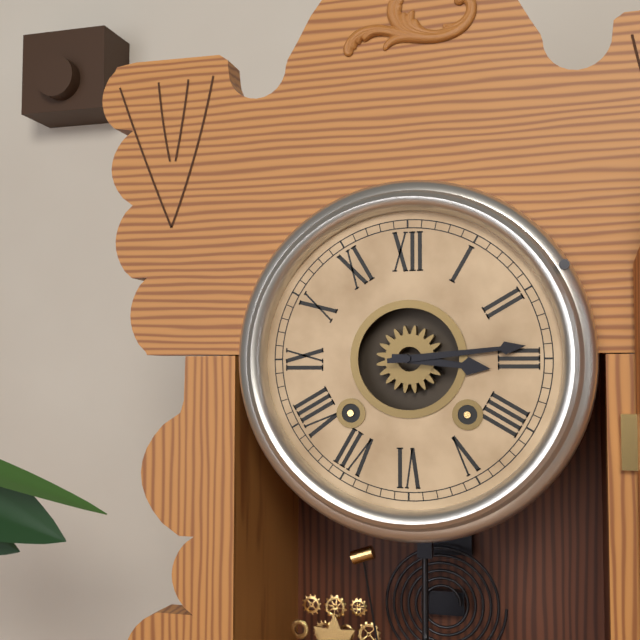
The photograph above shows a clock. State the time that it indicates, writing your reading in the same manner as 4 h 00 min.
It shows 3 h 14 min
